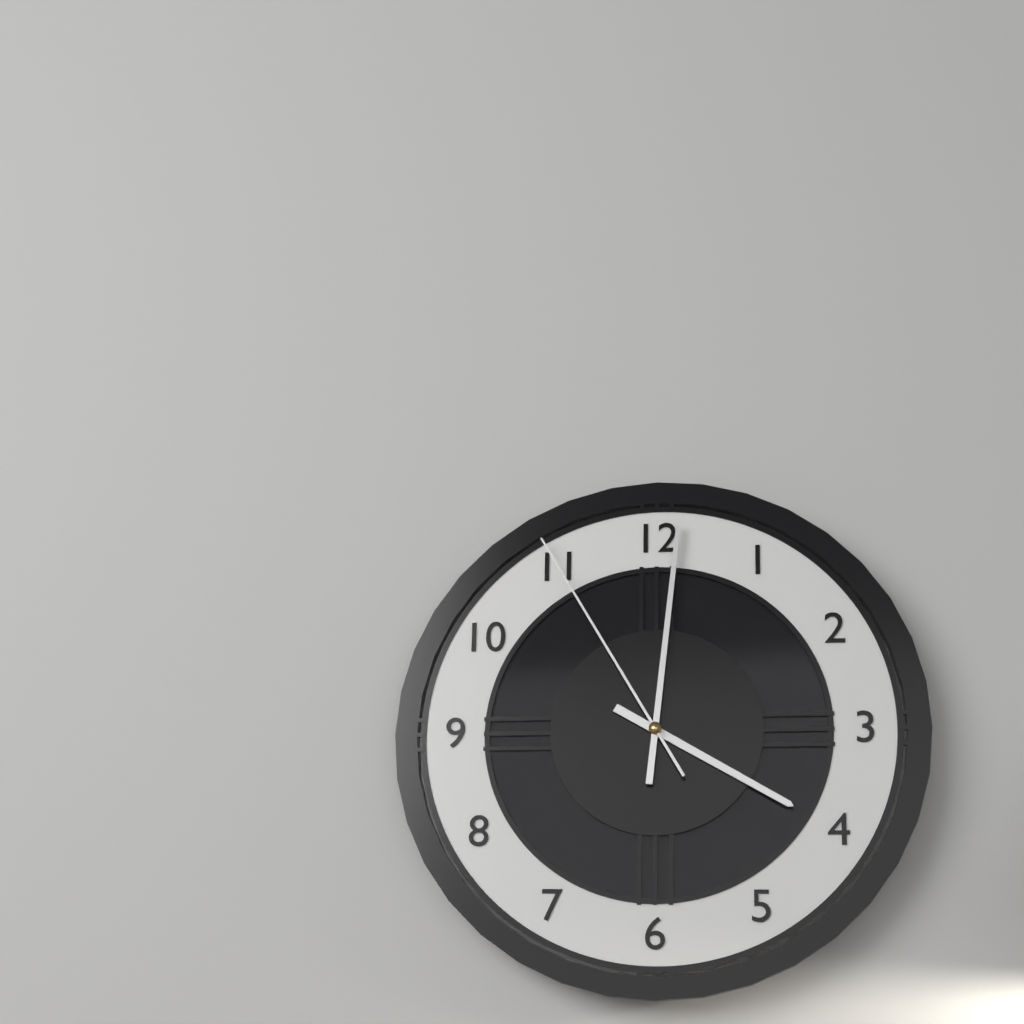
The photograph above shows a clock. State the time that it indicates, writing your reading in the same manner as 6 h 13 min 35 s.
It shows 4 h 01 min 55 s
